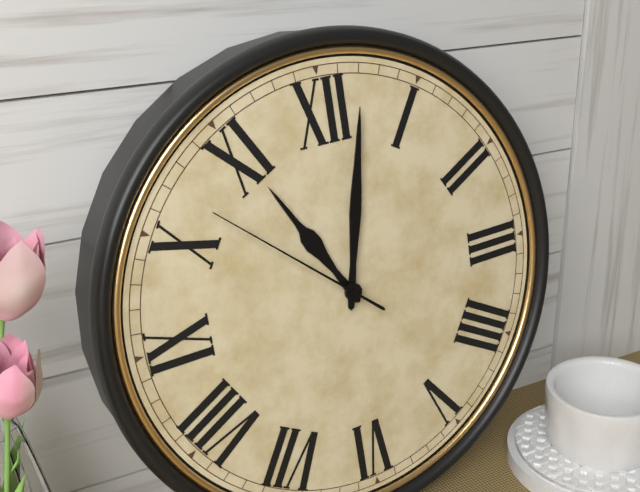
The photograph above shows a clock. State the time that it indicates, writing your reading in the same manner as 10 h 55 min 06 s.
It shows 11 h 02 min 52 s
